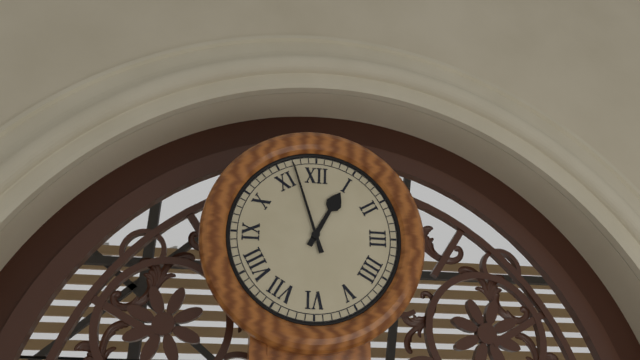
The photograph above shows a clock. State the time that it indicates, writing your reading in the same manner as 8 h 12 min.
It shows 12 h 57 min
